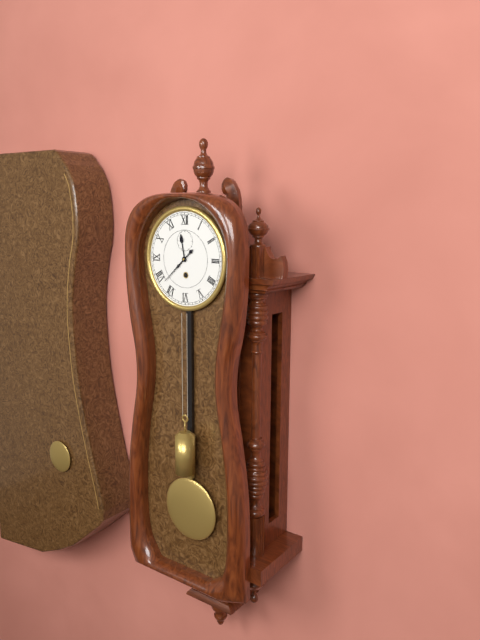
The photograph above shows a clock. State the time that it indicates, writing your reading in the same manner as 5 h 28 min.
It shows 11 h 38 min
